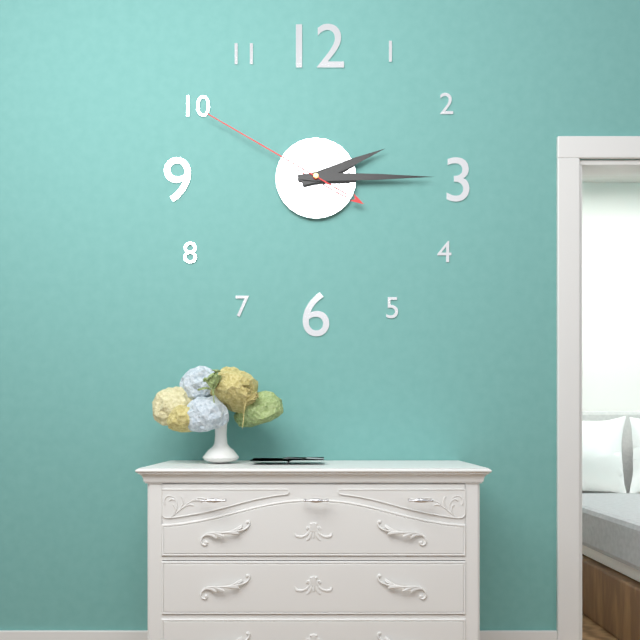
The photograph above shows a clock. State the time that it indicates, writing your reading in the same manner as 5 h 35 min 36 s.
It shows 2 h 15 min 50 s
